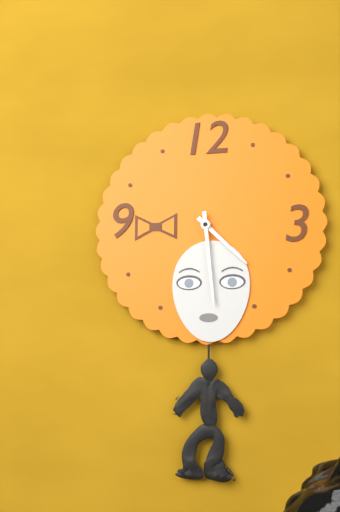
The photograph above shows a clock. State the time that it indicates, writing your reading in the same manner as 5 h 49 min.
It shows 4 h 29 min
